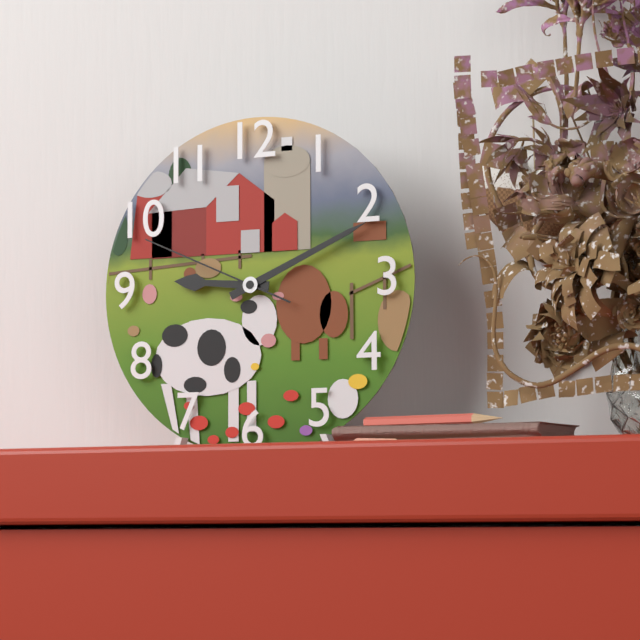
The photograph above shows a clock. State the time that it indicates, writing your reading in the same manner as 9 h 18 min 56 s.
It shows 9 h 11 min 49 s
